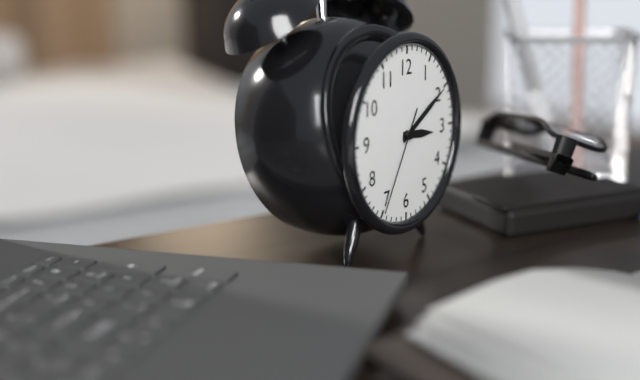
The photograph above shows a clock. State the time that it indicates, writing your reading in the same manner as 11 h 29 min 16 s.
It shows 3 h 10 min 35 s
